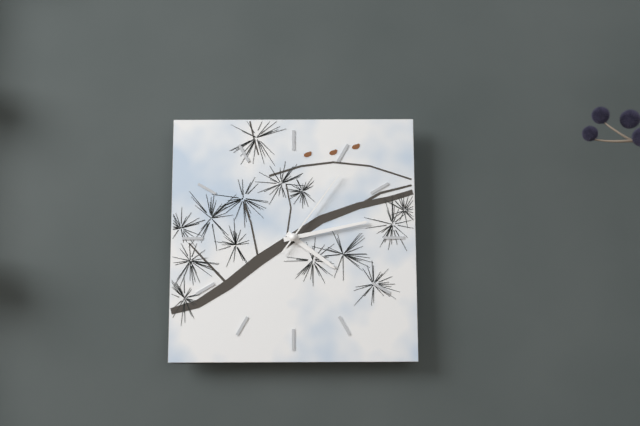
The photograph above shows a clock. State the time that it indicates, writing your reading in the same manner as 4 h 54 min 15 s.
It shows 4 h 13 min 06 s
